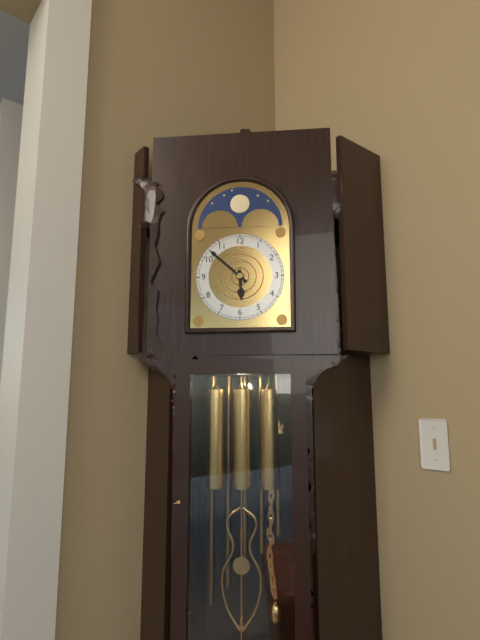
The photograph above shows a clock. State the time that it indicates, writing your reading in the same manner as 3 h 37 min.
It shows 5 h 52 min
